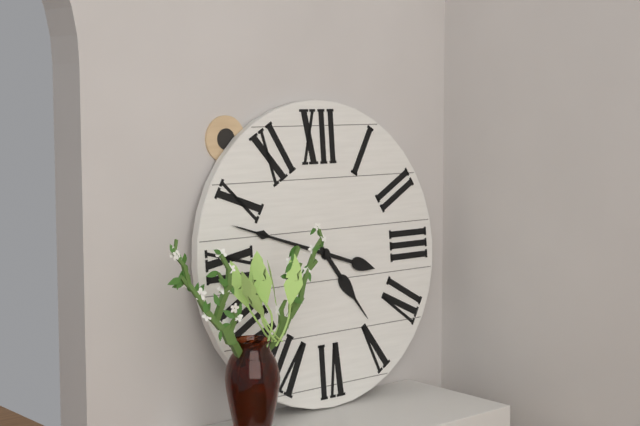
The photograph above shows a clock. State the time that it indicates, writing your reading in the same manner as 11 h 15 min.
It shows 4 h 48 min
